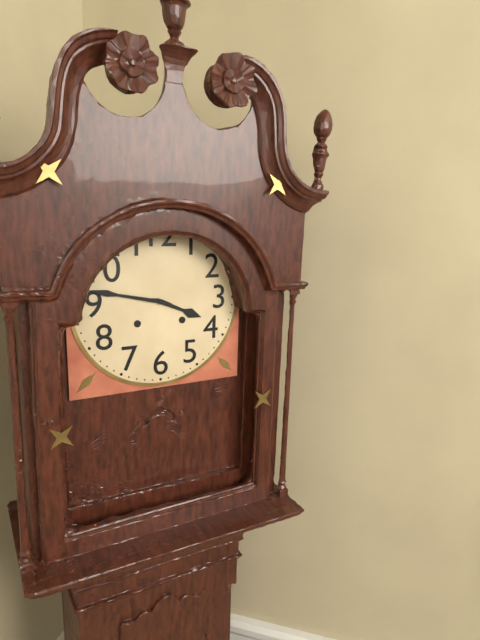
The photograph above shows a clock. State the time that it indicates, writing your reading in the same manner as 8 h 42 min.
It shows 3 h 47 min
